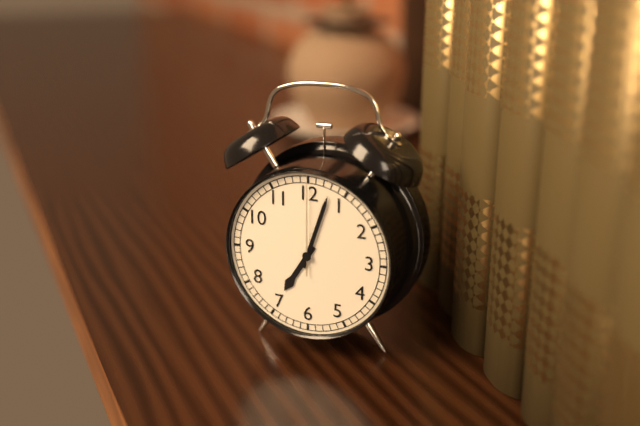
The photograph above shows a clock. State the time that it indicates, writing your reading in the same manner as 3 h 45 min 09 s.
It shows 7 h 03 min 00 s
